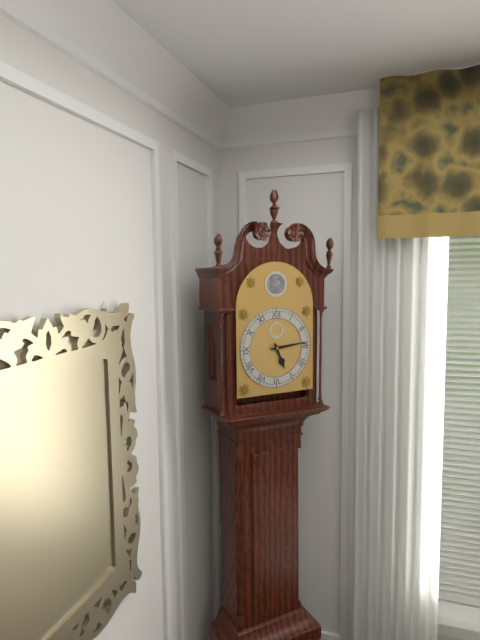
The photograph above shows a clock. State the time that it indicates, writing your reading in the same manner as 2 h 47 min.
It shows 5 h 14 min
